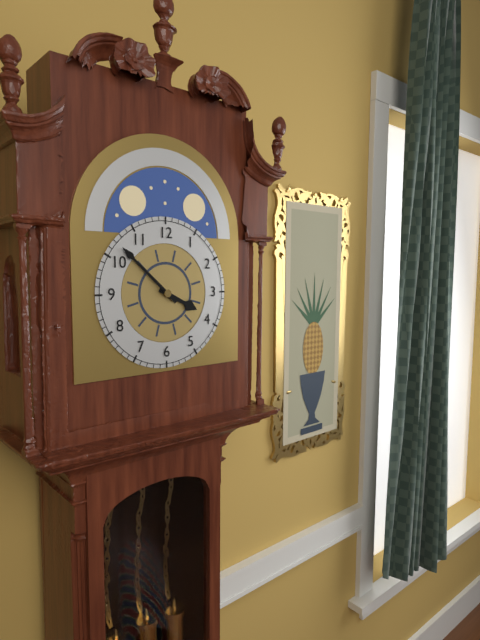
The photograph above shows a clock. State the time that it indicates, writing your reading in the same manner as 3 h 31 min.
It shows 3 h 52 min
